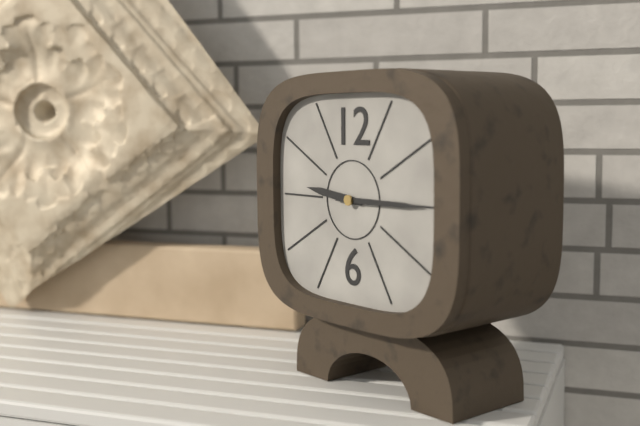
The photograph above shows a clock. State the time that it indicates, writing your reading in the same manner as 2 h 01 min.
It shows 9 h 15 min
